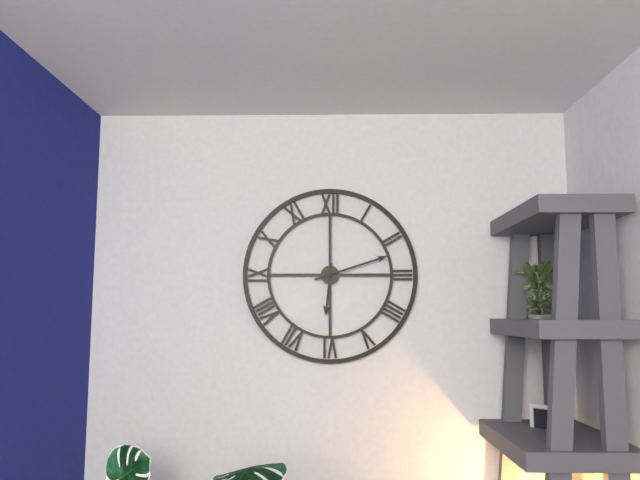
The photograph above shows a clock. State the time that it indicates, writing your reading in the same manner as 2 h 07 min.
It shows 6 h 12 min
